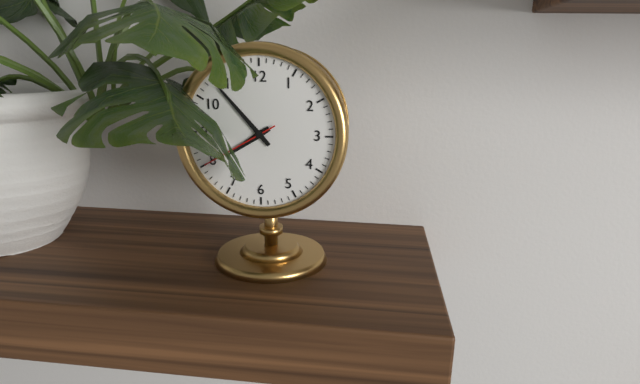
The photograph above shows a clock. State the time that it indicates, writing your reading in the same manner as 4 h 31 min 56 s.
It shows 7 h 53 min 40 s
